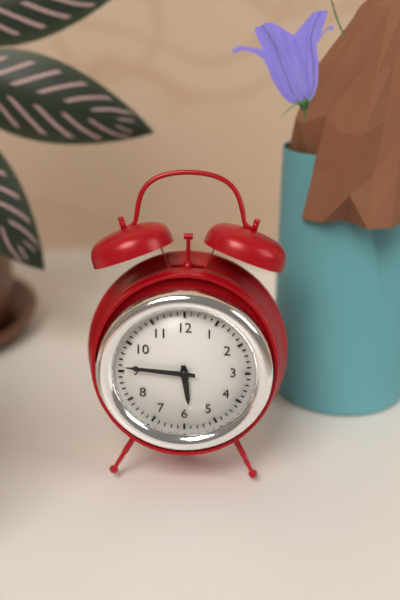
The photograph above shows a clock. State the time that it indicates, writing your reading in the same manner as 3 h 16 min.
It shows 5 h 46 min
